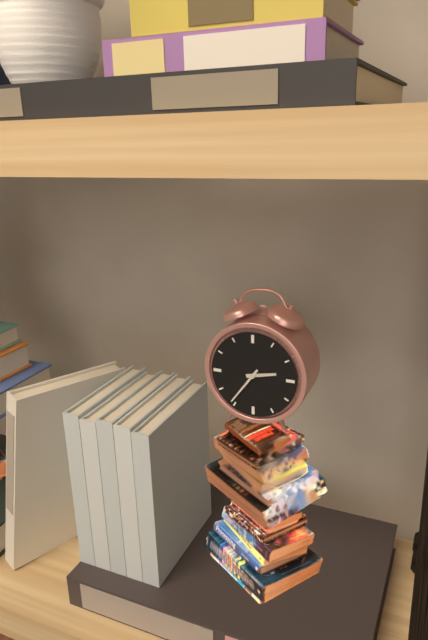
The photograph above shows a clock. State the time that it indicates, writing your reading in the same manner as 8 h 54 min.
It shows 2 h 36 min
